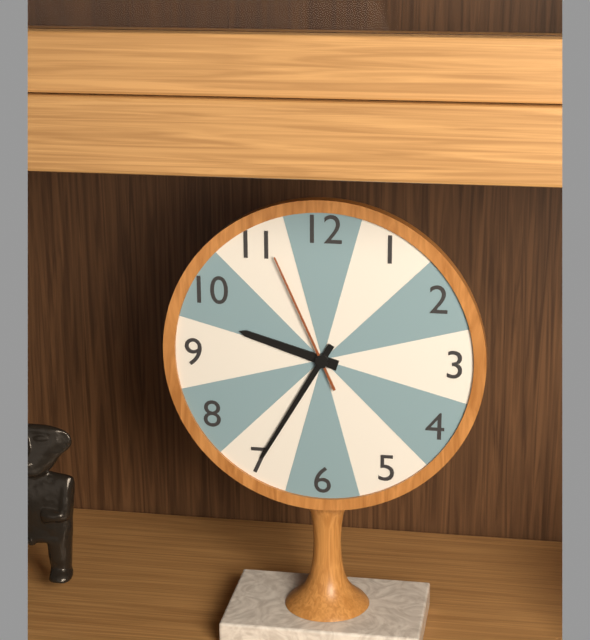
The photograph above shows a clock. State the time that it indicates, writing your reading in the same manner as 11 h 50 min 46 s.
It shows 9 h 35 min 56 s
